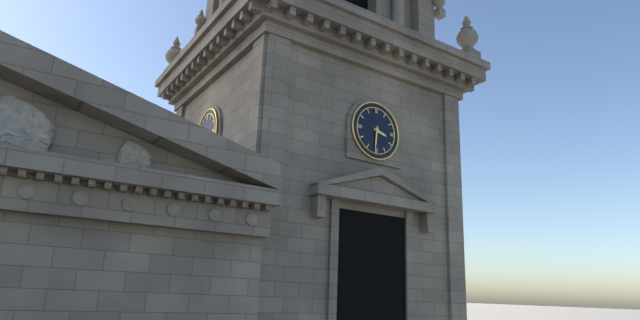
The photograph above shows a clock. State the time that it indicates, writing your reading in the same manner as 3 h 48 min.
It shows 3 h 31 min
